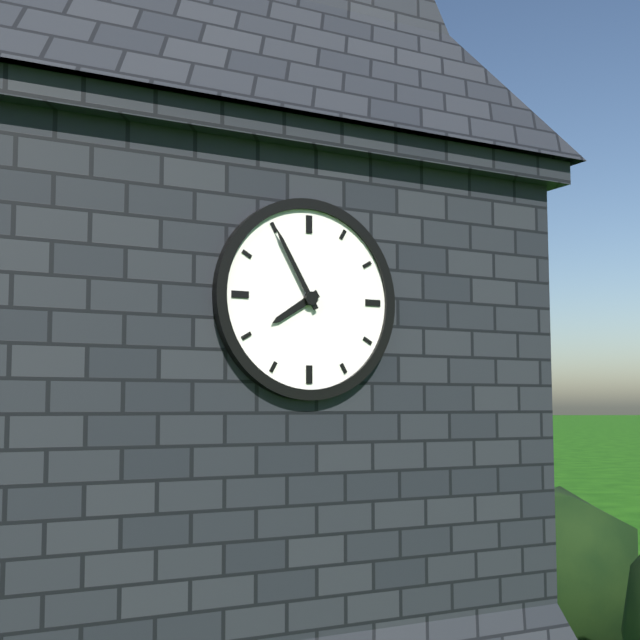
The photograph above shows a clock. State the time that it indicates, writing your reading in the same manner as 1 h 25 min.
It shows 7 h 55 min
